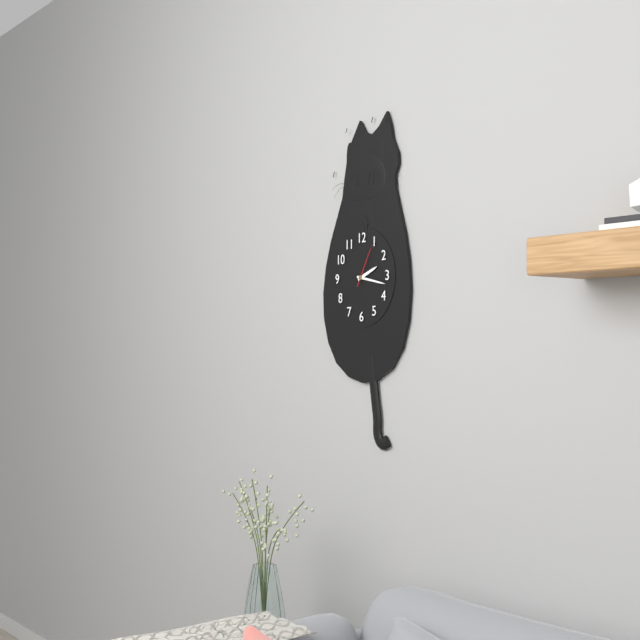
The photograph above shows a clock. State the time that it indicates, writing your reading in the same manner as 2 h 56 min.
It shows 2 h 17 min
